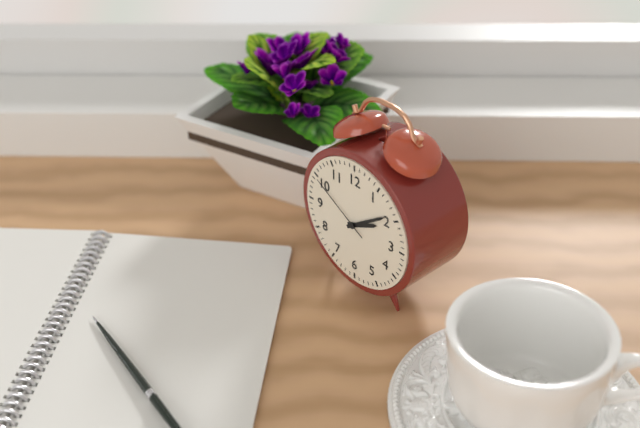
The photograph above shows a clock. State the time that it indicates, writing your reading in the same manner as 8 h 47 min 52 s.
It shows 2 h 09 min 50 s
